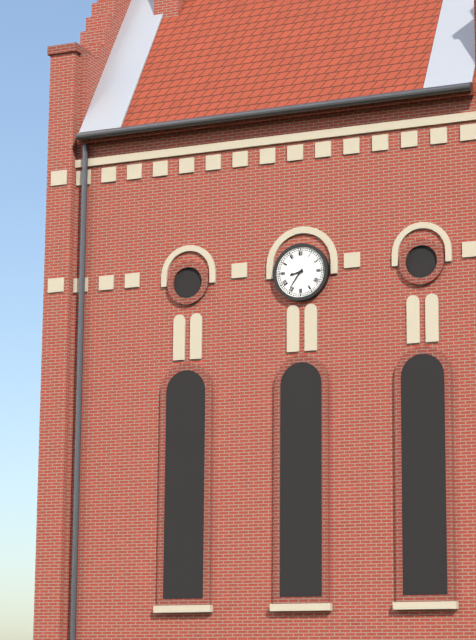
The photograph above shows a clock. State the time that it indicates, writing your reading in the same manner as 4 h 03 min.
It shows 8 h 36 min
